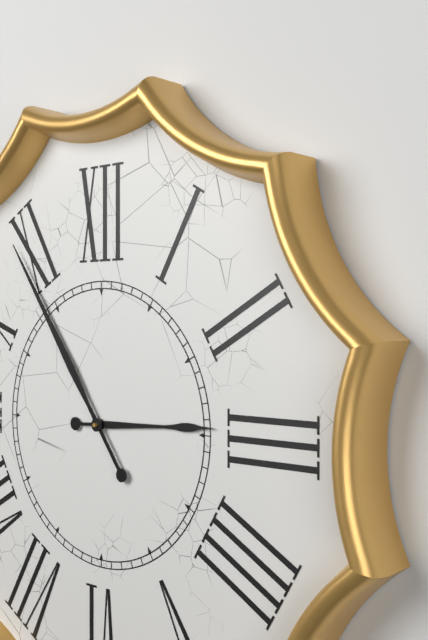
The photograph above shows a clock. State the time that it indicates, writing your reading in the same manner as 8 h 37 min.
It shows 2 h 54 min
